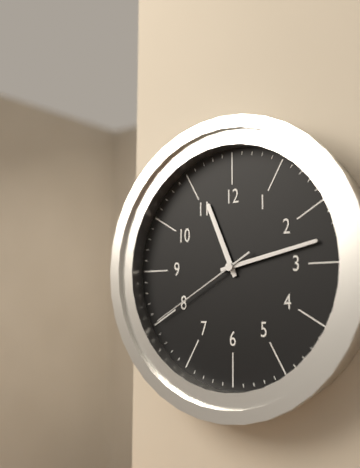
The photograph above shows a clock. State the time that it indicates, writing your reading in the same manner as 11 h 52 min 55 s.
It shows 11 h 13 min 40 s
